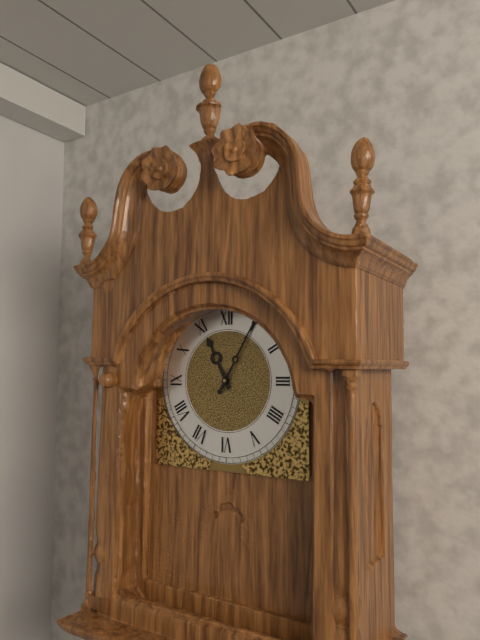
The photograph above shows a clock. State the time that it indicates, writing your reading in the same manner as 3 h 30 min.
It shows 11 h 05 min
